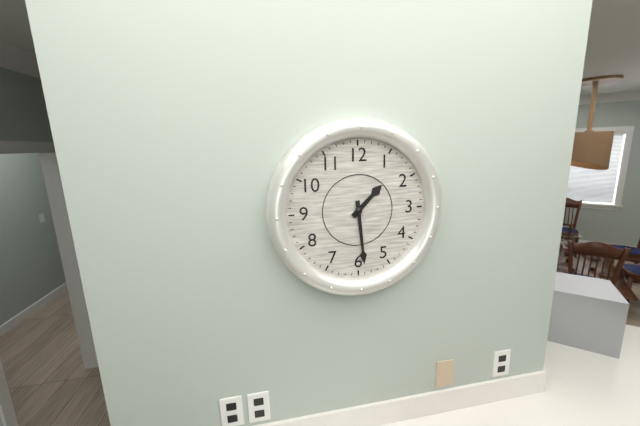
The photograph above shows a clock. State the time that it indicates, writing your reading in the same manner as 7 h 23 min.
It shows 1 h 29 min
